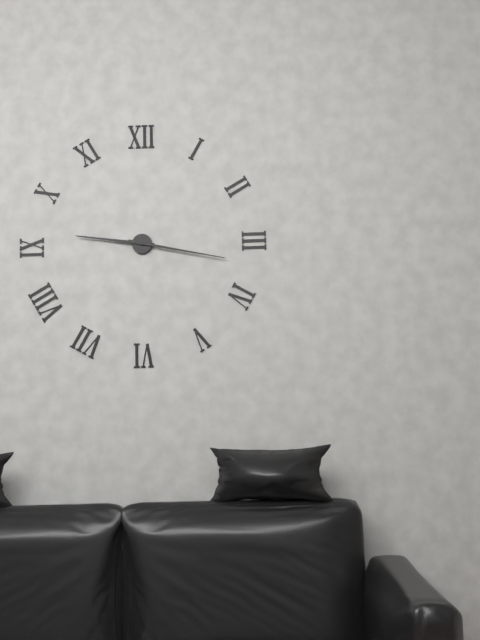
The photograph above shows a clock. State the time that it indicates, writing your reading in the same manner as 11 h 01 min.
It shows 9 h 17 min
